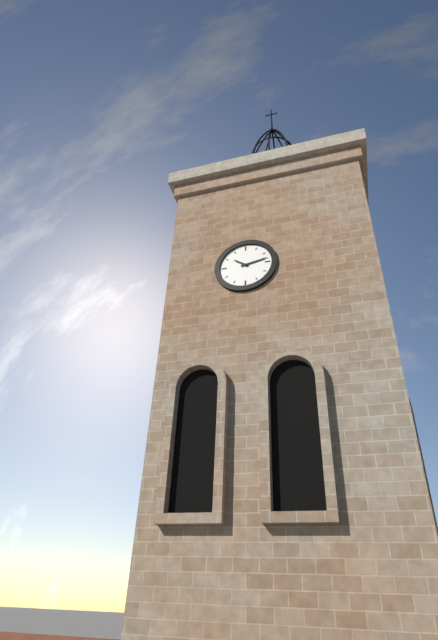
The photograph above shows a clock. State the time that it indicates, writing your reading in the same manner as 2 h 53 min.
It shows 10 h 13 min
